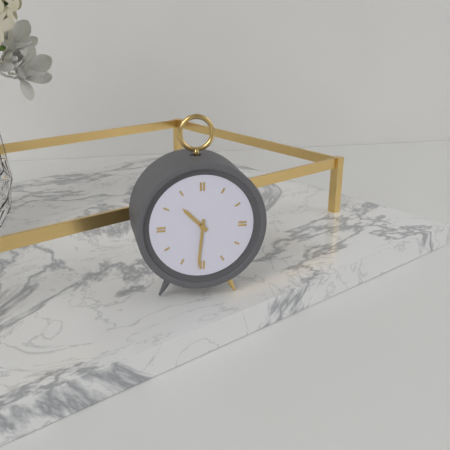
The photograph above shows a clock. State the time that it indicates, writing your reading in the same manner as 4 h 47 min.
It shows 10 h 31 min
